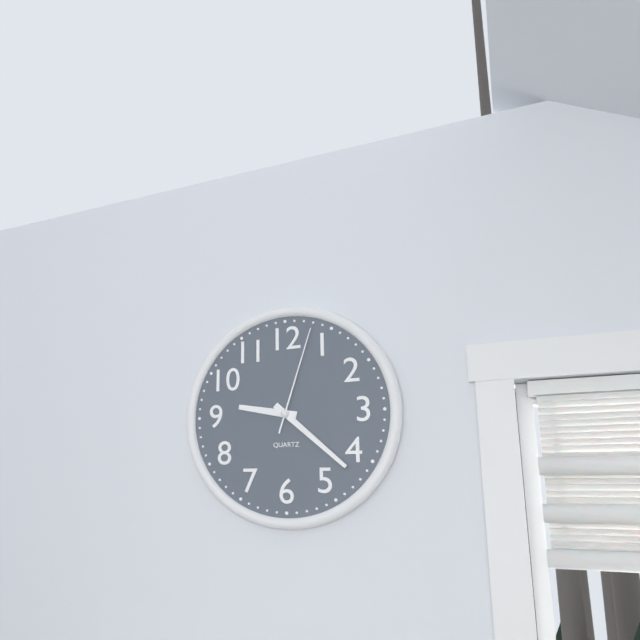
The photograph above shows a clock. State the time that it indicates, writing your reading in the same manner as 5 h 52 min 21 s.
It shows 9 h 22 min 03 s
